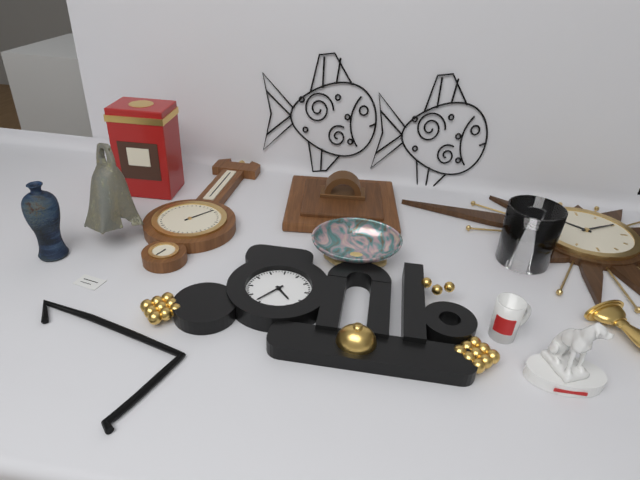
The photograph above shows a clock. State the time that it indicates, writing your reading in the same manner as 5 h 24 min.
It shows 4 h 36 min
